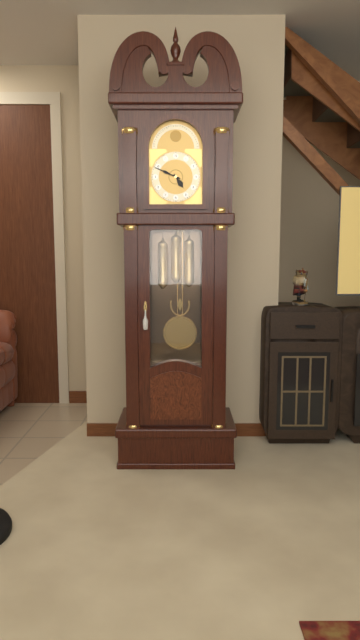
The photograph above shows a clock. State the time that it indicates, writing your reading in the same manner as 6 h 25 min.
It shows 4 h 49 min
